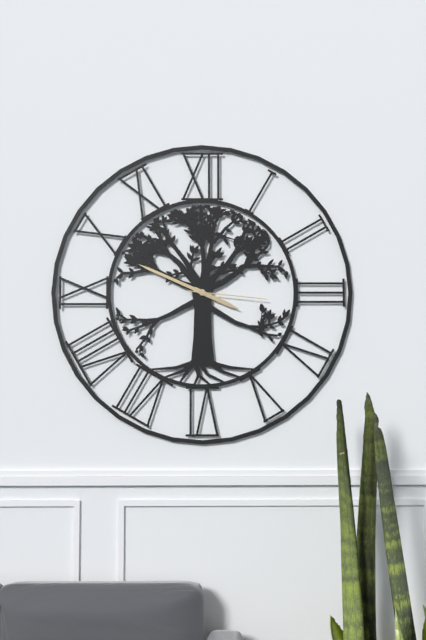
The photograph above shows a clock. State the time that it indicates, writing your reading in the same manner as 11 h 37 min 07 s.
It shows 3 h 49 min 16 s
